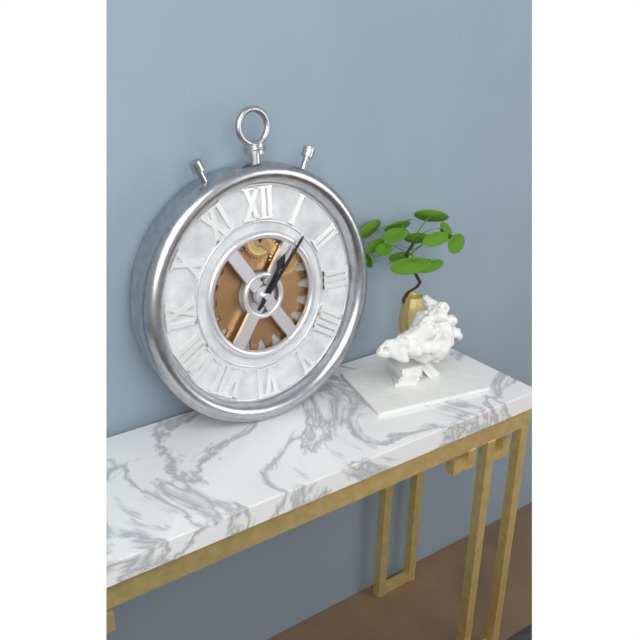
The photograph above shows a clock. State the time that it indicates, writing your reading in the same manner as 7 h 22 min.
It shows 1 h 07 min
